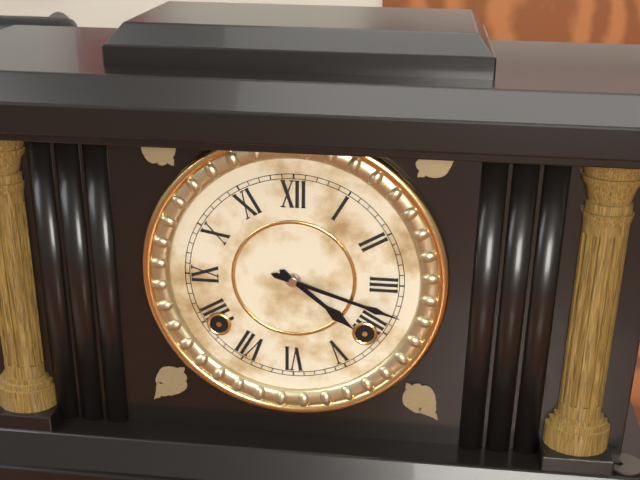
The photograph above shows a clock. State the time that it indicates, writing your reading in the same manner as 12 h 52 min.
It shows 4 h 18 min
